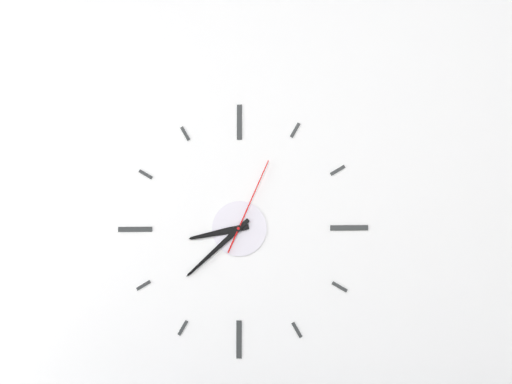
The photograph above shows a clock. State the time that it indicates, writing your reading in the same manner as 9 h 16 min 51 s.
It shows 8 h 38 min 04 s
